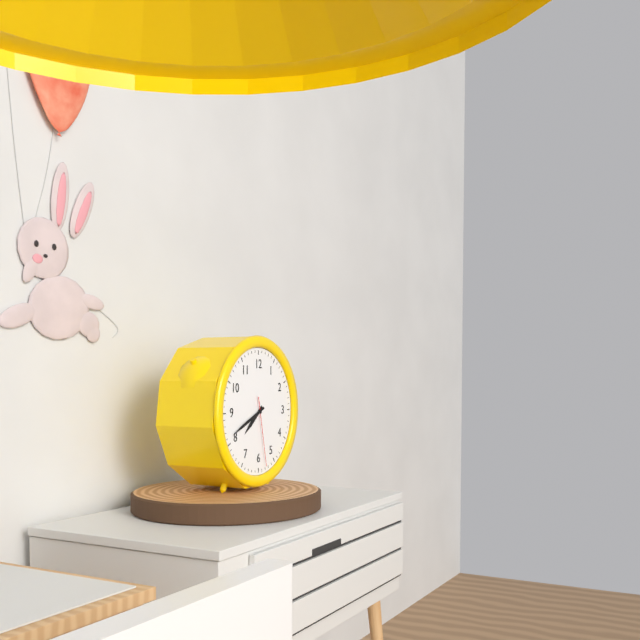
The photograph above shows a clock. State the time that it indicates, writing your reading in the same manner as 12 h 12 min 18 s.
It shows 7 h 41 min 28 s
